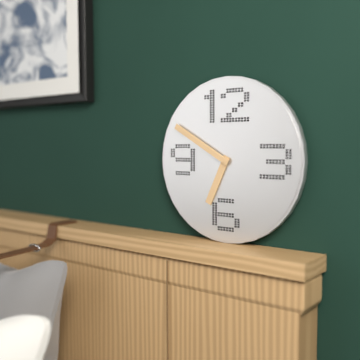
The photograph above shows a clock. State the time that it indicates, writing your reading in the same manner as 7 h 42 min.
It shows 6 h 50 min
